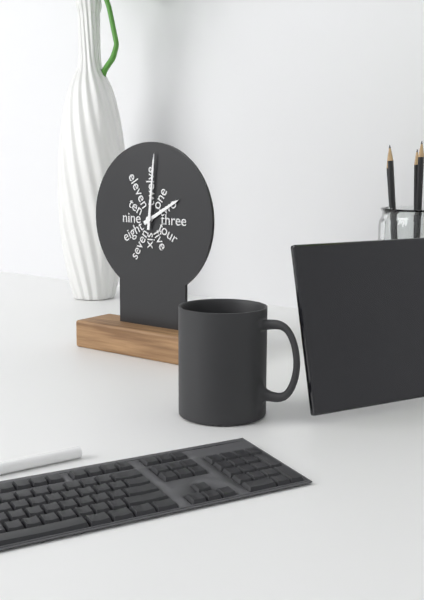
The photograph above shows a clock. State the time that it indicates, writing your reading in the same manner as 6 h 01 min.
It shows 2 h 01 min
